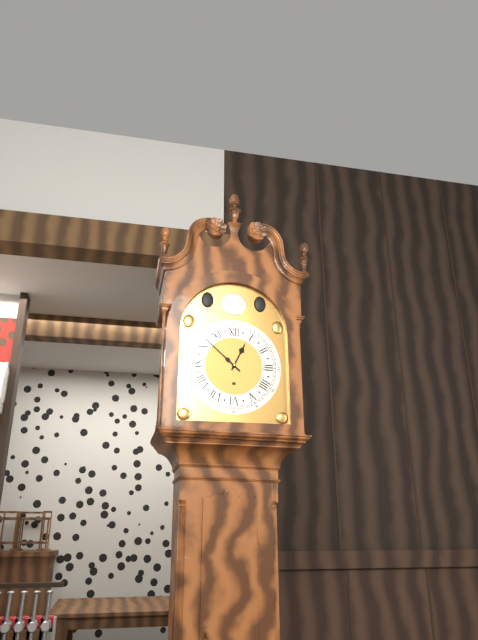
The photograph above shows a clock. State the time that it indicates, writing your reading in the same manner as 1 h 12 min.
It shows 12 h 52 min
